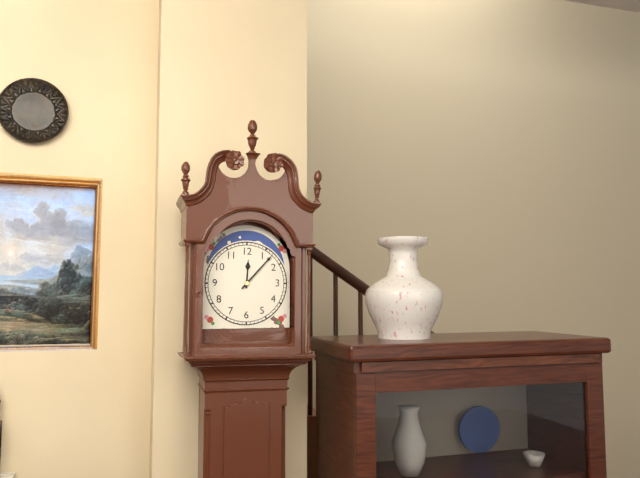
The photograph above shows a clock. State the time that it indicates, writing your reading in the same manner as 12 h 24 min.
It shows 12 h 07 min
